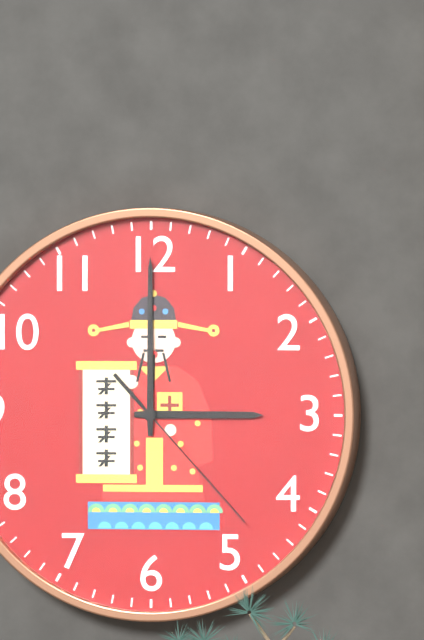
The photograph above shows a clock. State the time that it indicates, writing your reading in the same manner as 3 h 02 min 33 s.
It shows 3 h 00 min 23 s
